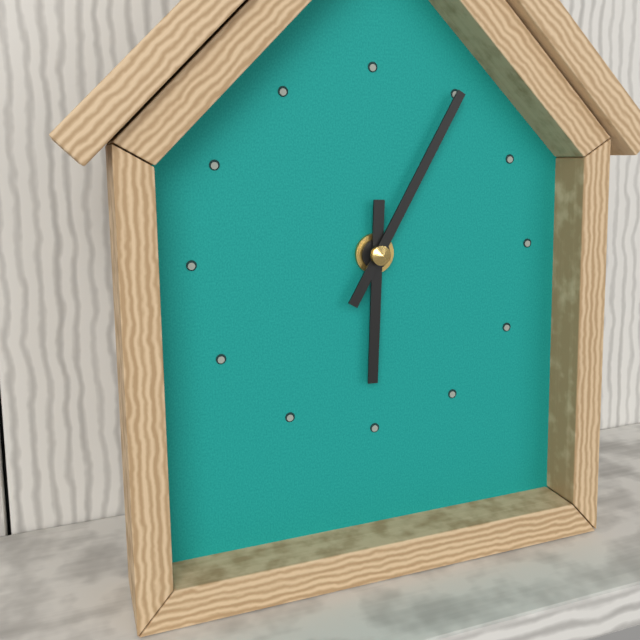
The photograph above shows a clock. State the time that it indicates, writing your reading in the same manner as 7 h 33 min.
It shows 6 h 05 min
